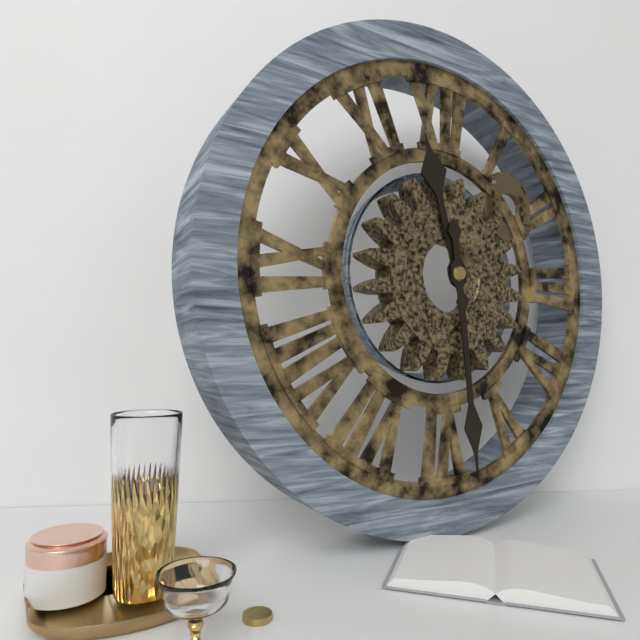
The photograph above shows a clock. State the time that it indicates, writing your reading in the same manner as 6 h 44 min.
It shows 11 h 29 min
